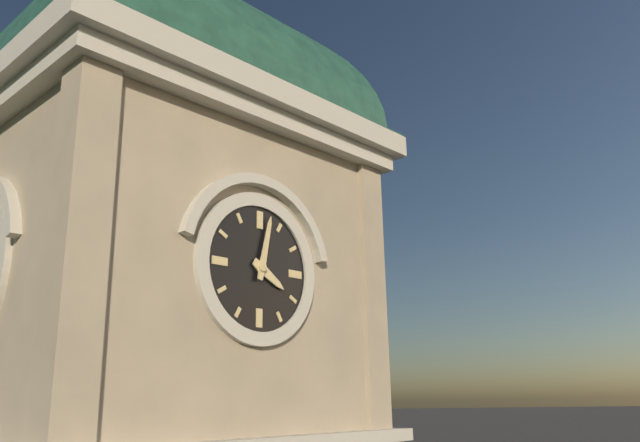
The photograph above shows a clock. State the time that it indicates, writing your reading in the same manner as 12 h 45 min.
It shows 4 h 02 min
